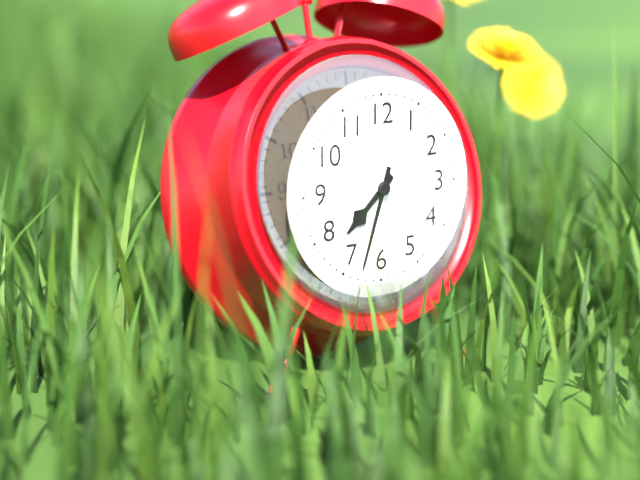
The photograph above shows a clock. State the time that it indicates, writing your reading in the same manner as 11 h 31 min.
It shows 7 h 33 min
